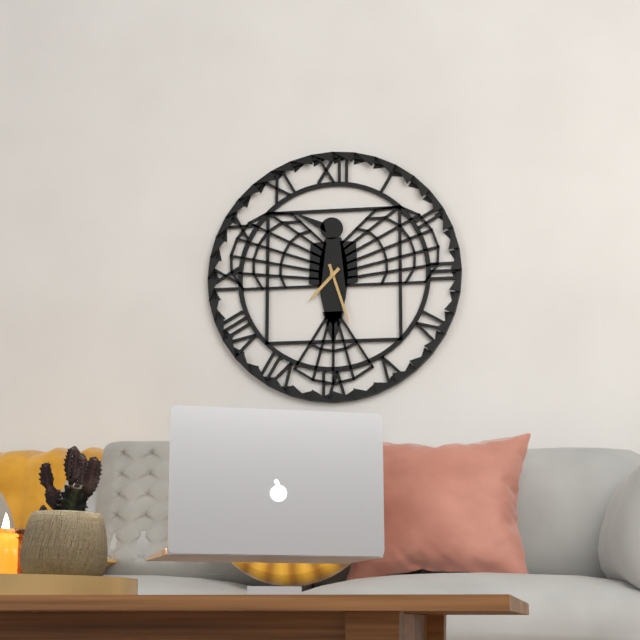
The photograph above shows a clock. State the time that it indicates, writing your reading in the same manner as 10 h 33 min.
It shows 7 h 27 min
